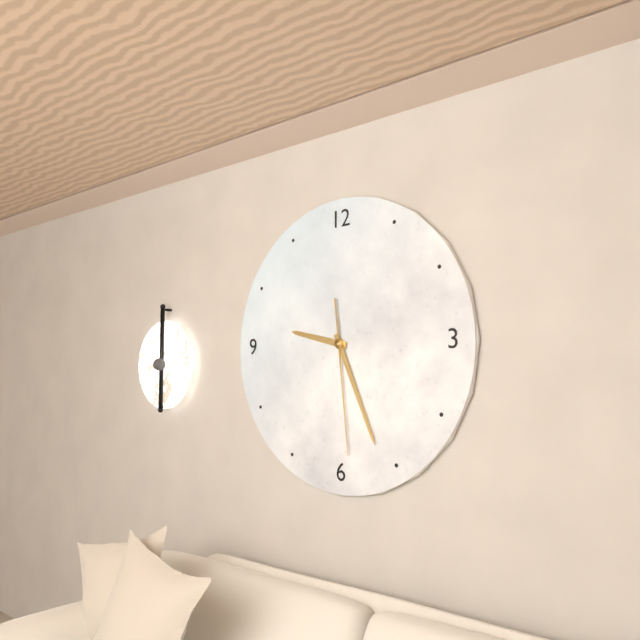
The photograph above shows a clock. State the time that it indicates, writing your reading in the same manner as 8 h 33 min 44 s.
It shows 9 h 26 min 29 s
